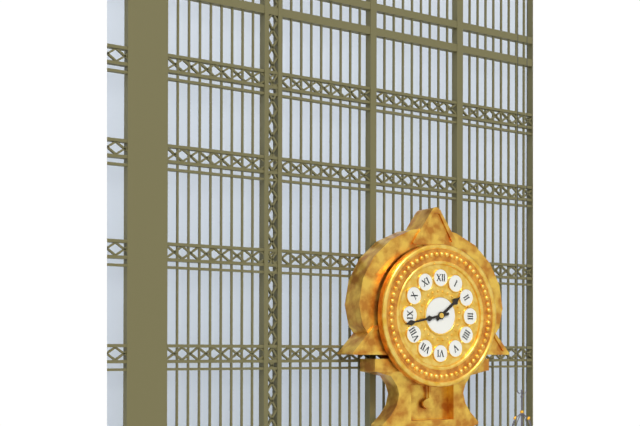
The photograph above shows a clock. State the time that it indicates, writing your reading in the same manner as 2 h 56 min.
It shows 1 h 43 min
